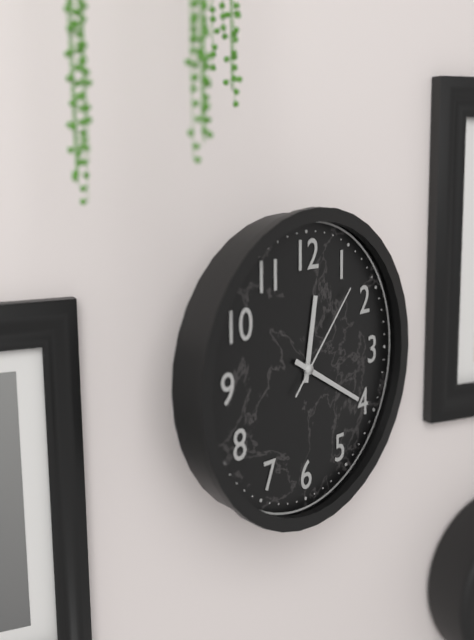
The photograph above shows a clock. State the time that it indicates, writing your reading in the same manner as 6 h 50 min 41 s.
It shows 12 h 20 min 07 s
